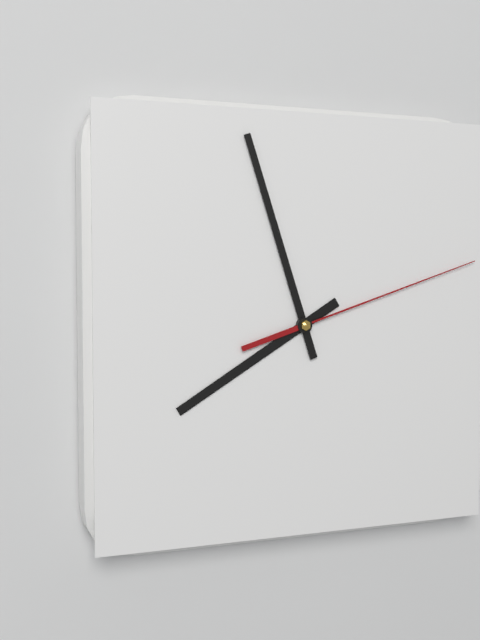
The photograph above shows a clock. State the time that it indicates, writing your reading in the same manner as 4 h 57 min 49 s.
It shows 7 h 57 min 12 s
